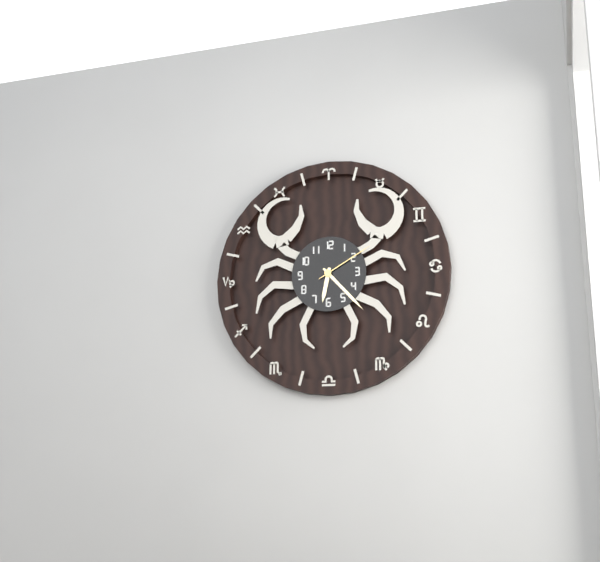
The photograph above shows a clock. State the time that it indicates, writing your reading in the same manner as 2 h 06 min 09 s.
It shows 6 h 23 min 10 s
